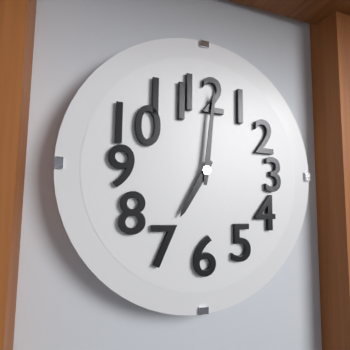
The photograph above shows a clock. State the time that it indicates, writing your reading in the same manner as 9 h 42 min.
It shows 7 h 01 min
